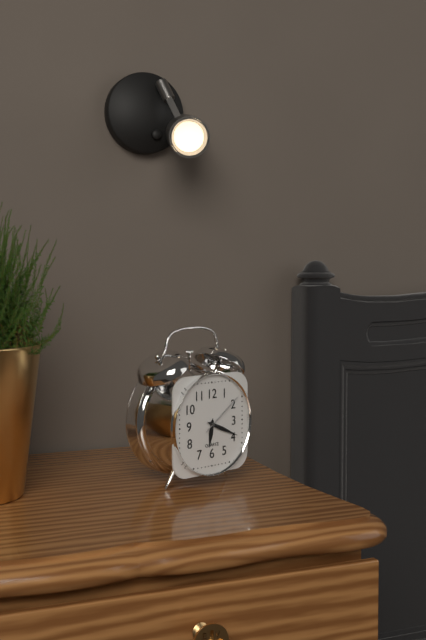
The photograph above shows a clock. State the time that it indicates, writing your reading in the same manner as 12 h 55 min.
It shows 6 h 19 min
